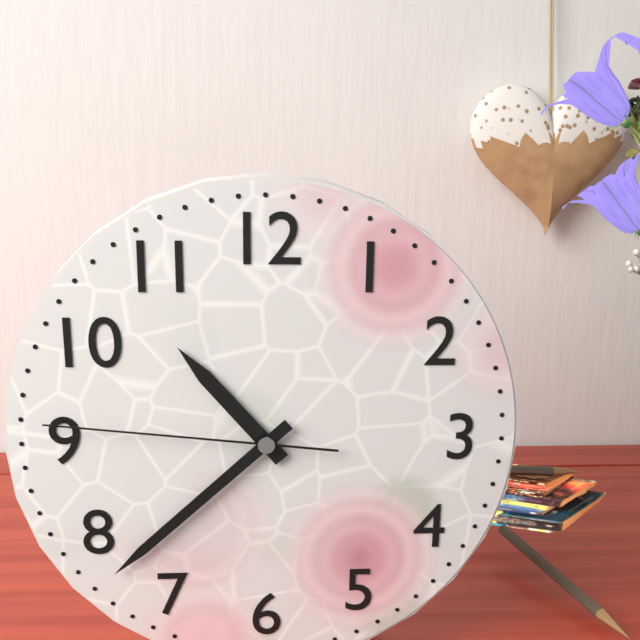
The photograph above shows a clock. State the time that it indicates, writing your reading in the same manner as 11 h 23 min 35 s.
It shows 10 h 38 min 46 s
